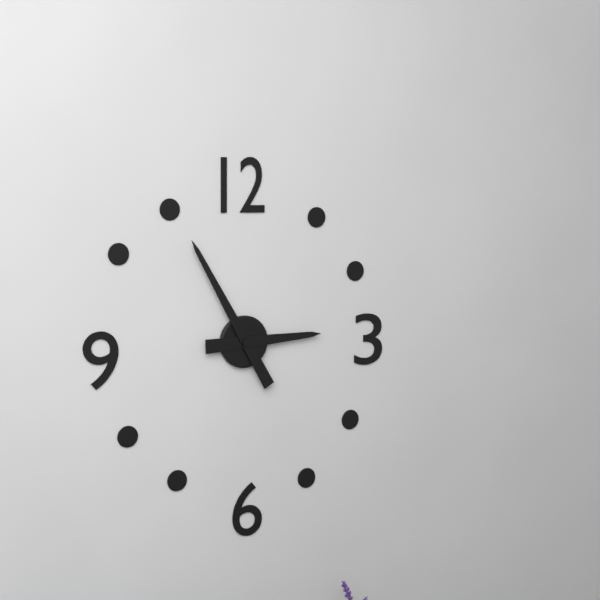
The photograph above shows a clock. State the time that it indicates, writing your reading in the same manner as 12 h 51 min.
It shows 2 h 55 min
